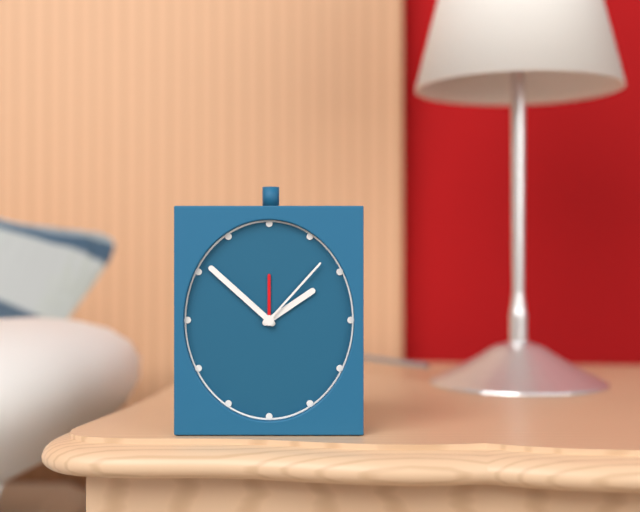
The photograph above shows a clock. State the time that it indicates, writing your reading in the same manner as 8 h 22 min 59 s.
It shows 1 h 52 min 07 s
